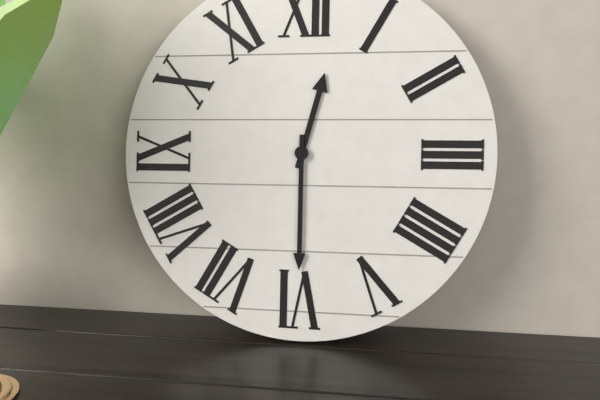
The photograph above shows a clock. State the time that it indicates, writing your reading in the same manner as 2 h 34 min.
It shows 12 h 30 min
